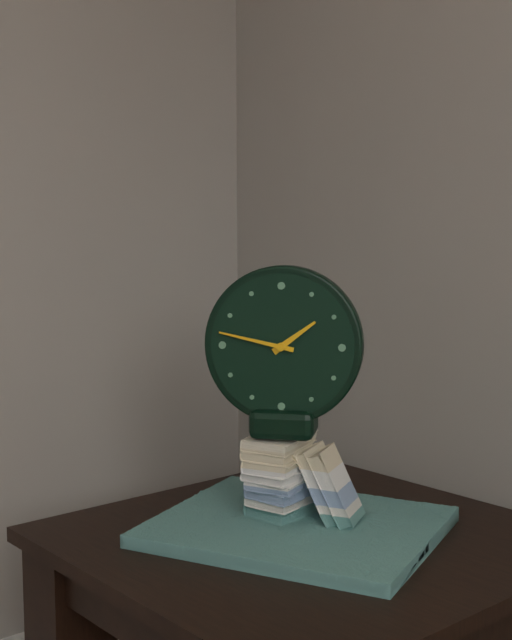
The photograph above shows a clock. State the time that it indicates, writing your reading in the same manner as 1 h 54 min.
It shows 1 h 47 min
